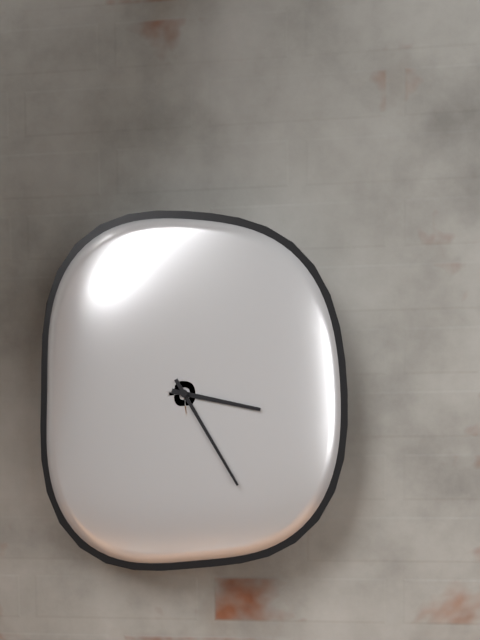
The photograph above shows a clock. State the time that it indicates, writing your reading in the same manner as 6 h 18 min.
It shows 3 h 25 min
